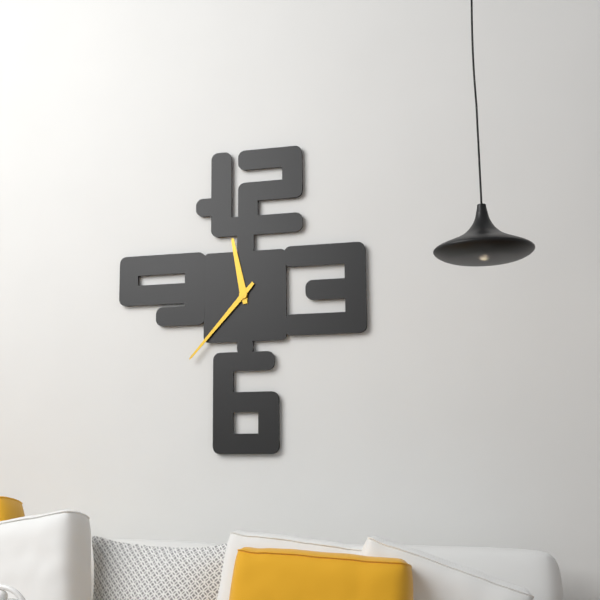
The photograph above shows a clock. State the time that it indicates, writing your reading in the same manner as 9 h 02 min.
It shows 11 h 37 min
